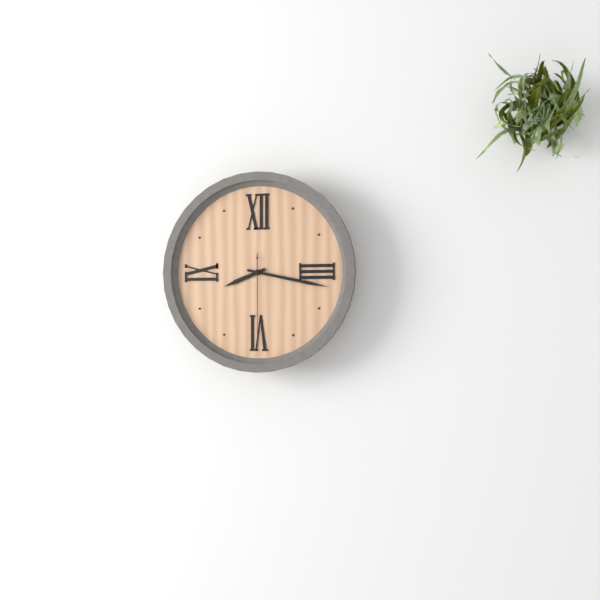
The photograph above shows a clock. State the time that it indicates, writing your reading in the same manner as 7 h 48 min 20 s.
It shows 8 h 17 min 30 s
